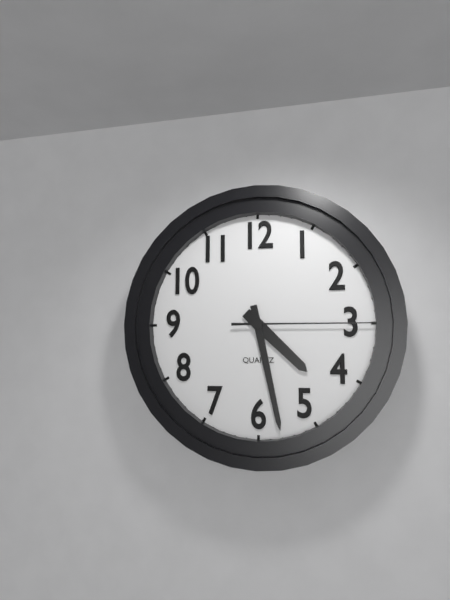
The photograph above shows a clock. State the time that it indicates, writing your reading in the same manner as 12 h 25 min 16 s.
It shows 4 h 28 min 15 s
